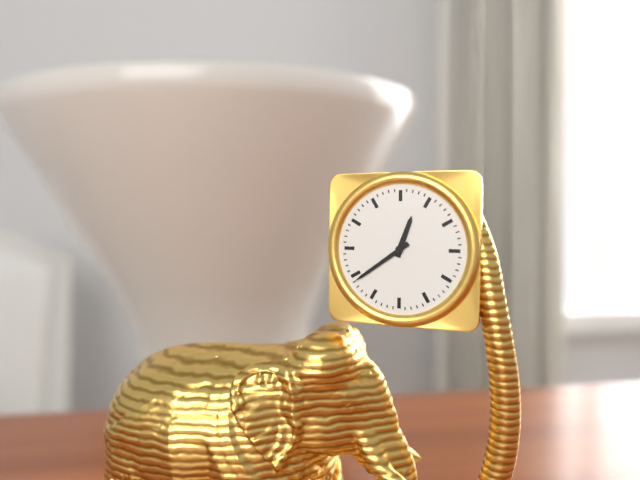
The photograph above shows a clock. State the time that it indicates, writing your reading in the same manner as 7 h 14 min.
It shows 12 h 39 min
